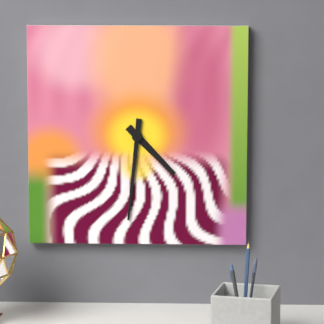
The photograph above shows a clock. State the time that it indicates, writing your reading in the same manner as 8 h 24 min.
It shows 4 h 31 min
